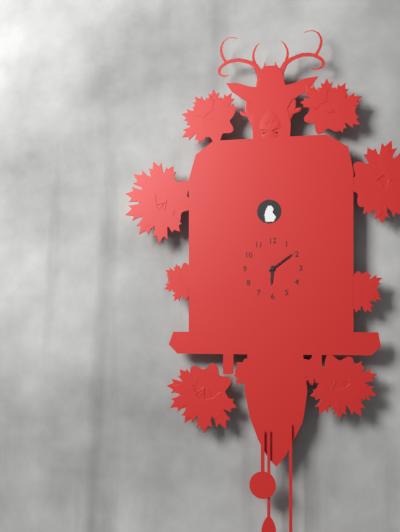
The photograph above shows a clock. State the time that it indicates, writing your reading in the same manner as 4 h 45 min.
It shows 6 h 09 min
